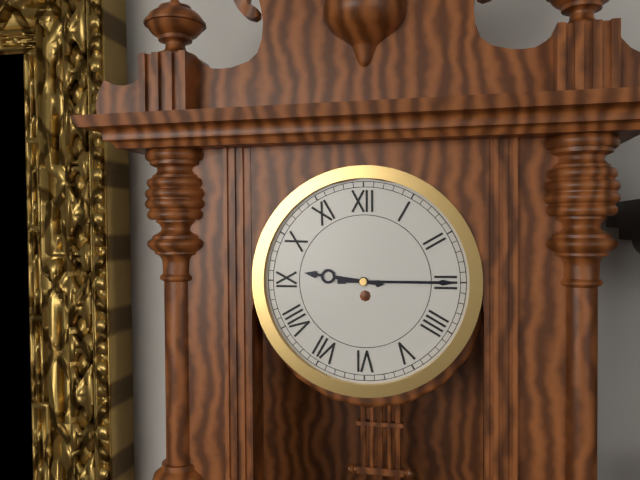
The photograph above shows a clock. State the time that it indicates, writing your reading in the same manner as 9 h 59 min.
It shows 9 h 15 min
